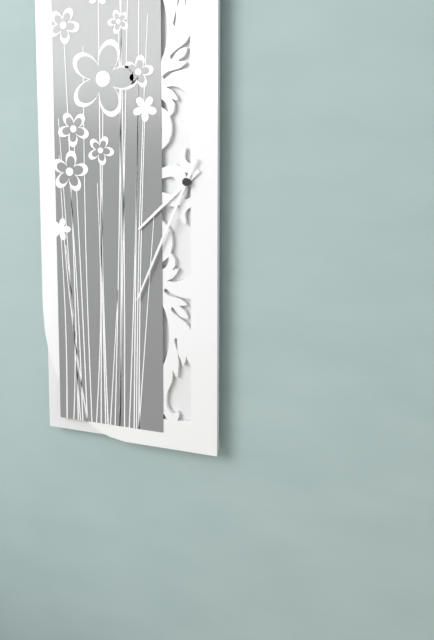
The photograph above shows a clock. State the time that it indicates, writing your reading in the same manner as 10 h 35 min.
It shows 7 h 34 min
